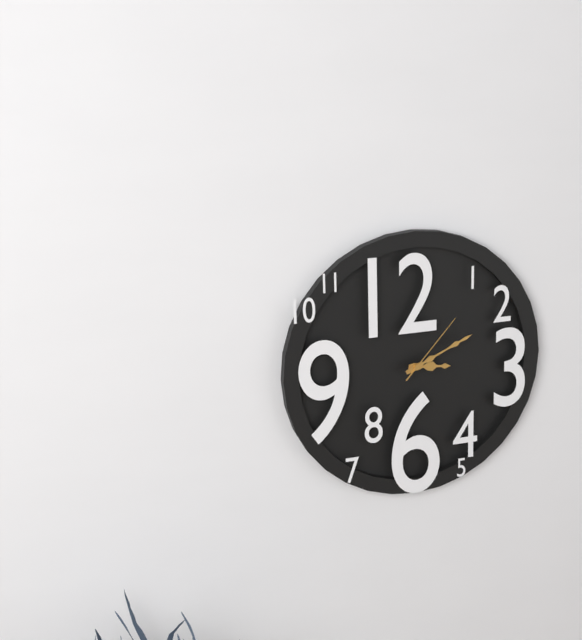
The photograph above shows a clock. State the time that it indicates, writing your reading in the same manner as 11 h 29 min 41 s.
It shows 3 h 11 min 07 s
